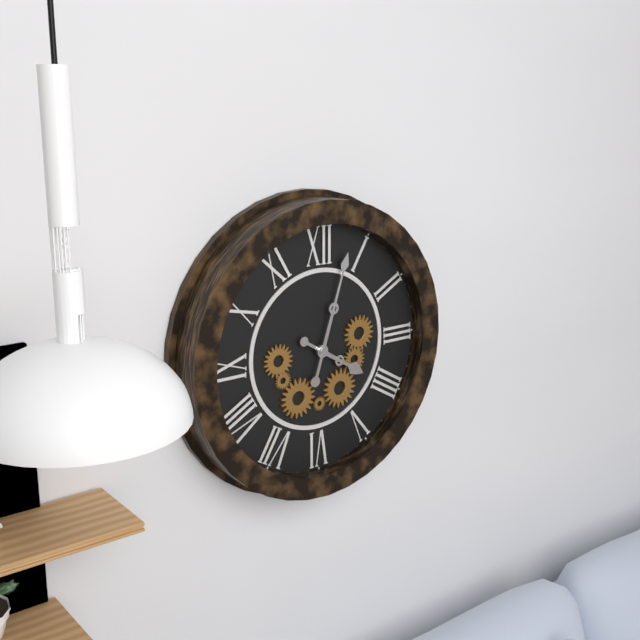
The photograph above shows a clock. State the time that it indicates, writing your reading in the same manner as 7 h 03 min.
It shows 4 h 03 min
